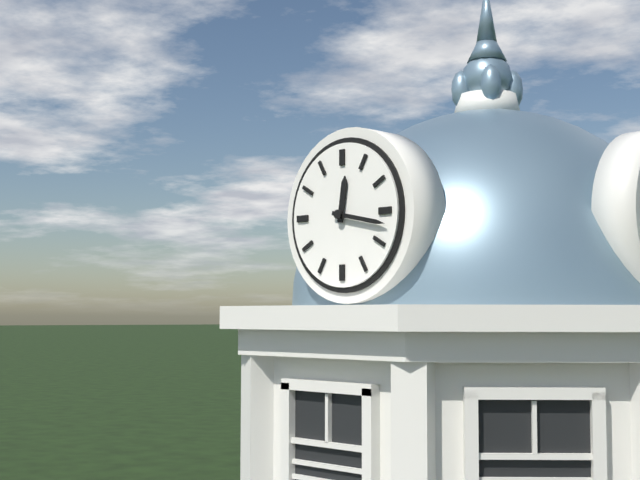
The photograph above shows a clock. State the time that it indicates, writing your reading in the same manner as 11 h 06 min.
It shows 12 h 17 min
